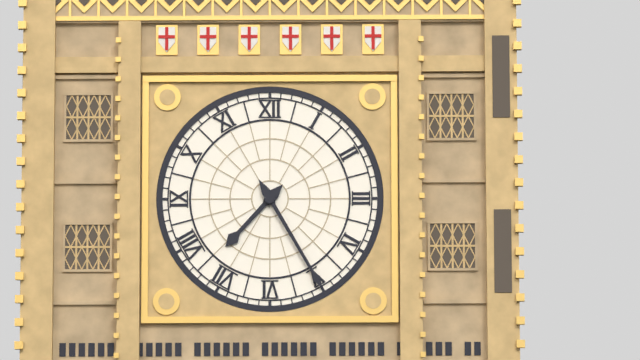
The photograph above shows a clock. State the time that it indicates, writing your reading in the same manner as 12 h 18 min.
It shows 7 h 25 min
